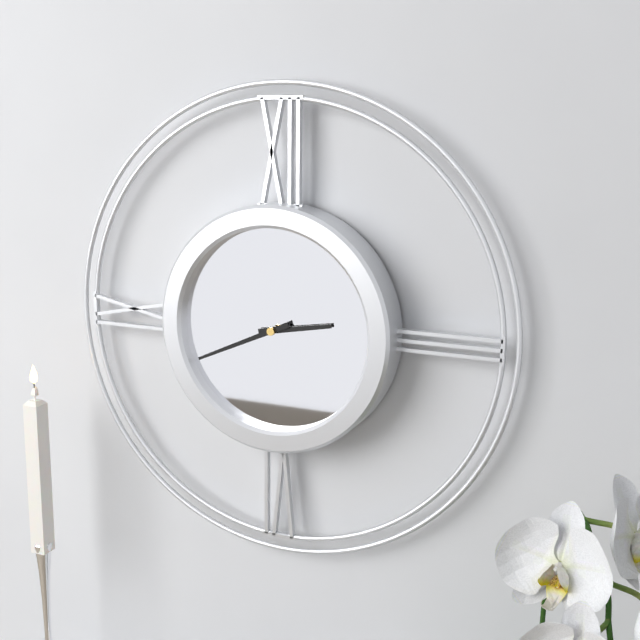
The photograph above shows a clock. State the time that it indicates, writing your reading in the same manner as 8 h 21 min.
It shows 2 h 41 min
